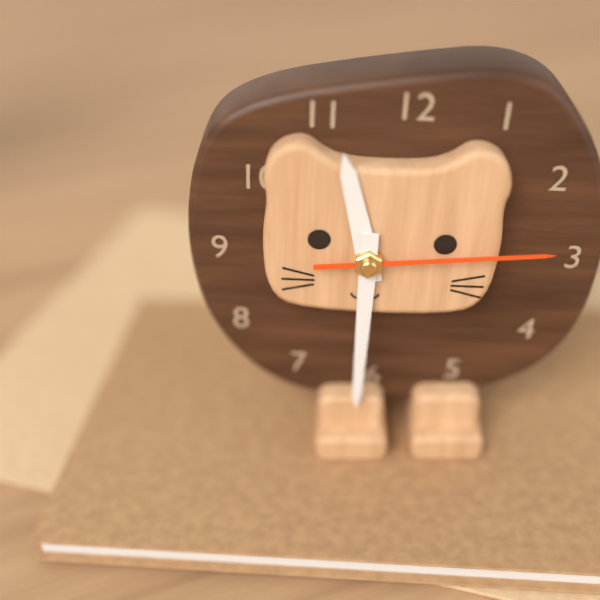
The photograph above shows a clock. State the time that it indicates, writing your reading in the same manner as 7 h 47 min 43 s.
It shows 11 h 30 min 14 s
